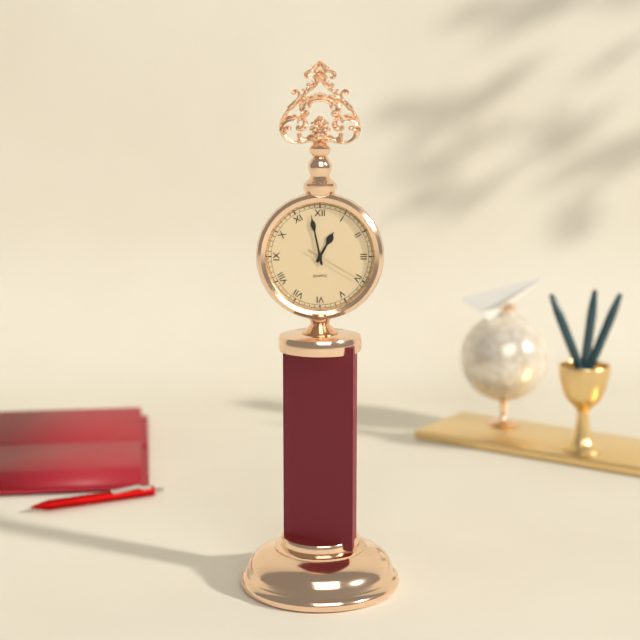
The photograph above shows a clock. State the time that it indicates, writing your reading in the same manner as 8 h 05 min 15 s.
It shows 12 h 58 min 20 s
